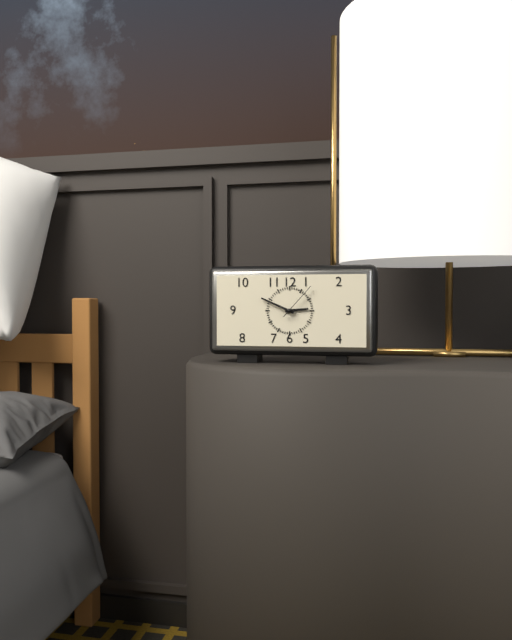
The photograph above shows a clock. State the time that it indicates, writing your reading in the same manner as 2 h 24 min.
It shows 2 h 49 min
